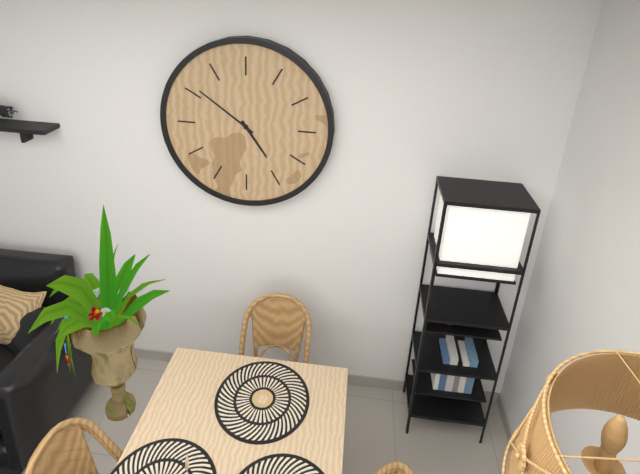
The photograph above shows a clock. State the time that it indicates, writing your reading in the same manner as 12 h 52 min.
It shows 4 h 51 min
